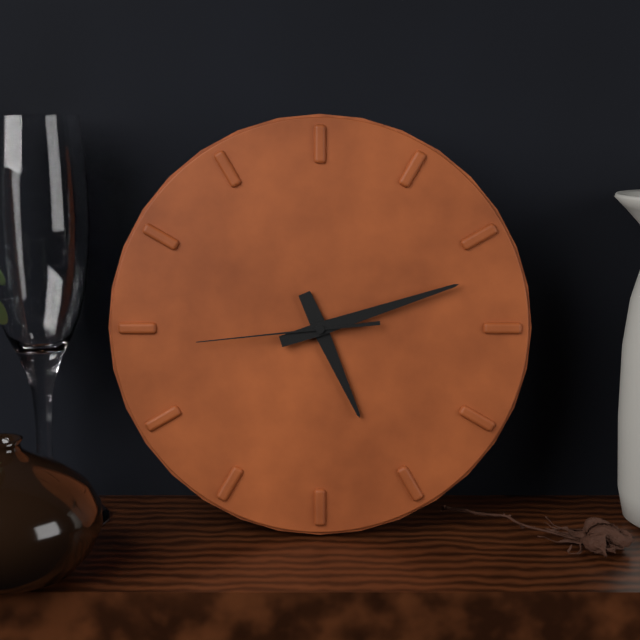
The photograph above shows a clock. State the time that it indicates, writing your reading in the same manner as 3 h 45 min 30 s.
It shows 5 h 12 min 44 s
